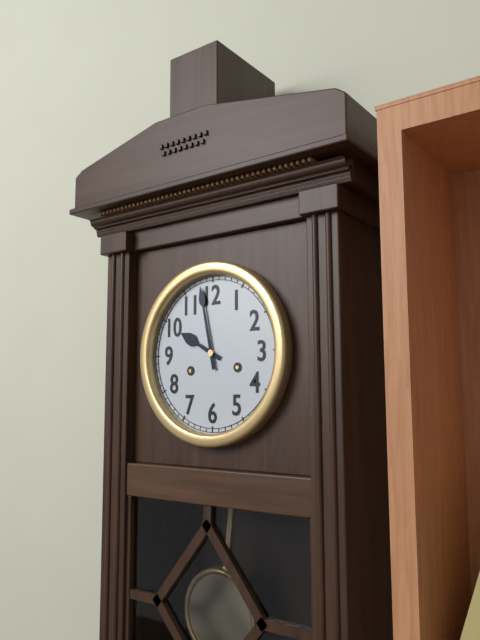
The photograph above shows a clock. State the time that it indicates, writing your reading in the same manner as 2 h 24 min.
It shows 9 h 58 min
